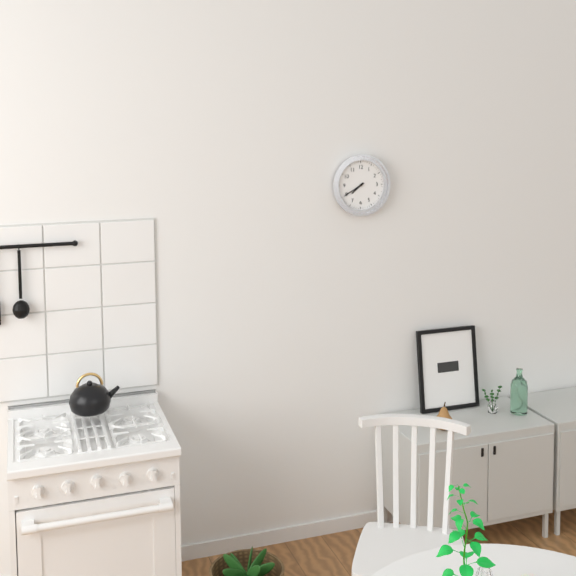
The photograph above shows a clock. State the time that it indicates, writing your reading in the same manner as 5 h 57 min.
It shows 7 h 40 min
